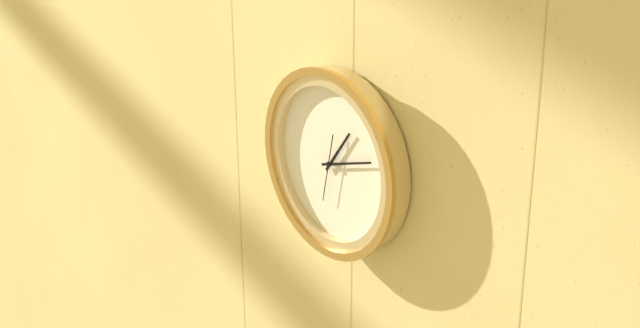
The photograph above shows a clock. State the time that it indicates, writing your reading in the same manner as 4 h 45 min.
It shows 1 h 12 min
